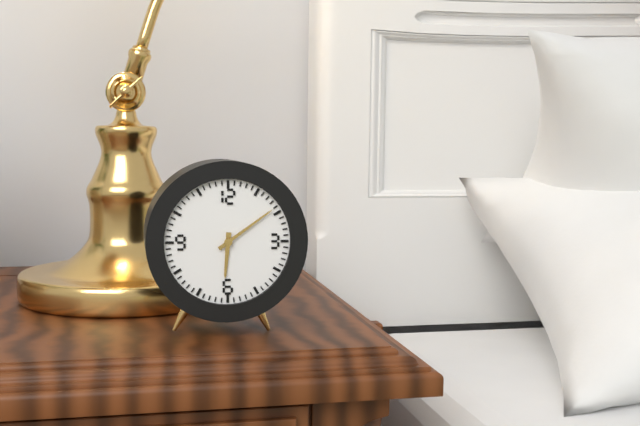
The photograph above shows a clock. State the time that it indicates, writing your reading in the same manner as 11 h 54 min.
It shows 6 h 09 min
